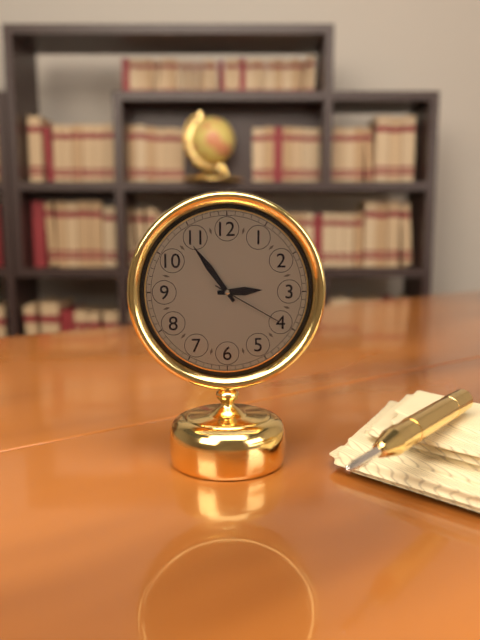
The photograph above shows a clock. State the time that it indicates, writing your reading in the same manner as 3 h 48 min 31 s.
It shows 2 h 54 min 20 s
